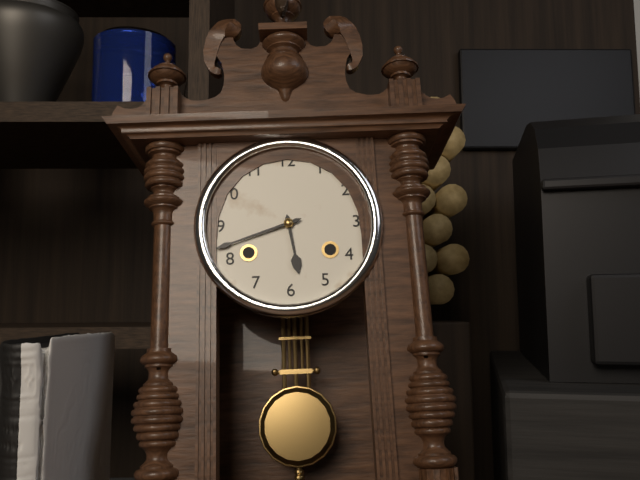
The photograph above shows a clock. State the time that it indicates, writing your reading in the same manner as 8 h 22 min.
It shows 5 h 42 min
